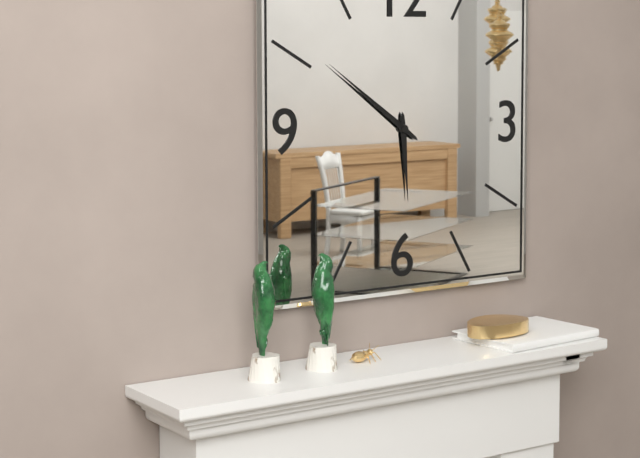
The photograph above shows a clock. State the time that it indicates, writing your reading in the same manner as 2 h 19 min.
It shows 5 h 51 min
